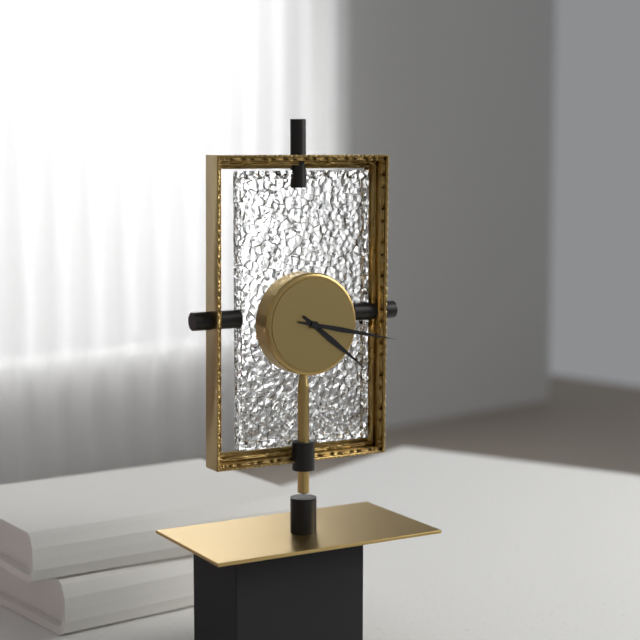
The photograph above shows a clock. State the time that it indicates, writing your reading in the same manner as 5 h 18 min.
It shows 4 h 17 min
